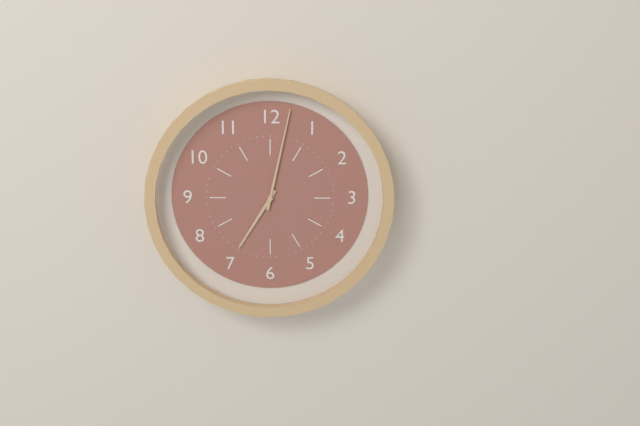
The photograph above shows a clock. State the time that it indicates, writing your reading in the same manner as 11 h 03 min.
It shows 7 h 02 min
